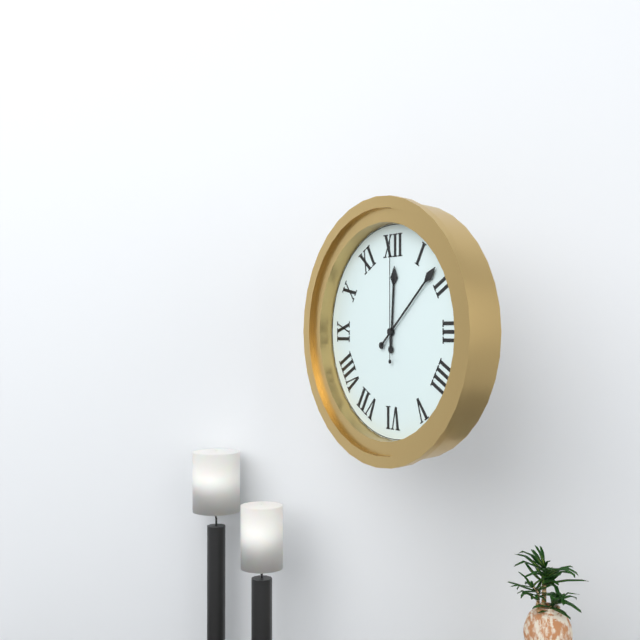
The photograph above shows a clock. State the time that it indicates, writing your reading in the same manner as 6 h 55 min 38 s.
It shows 12 h 08 min 00 s
